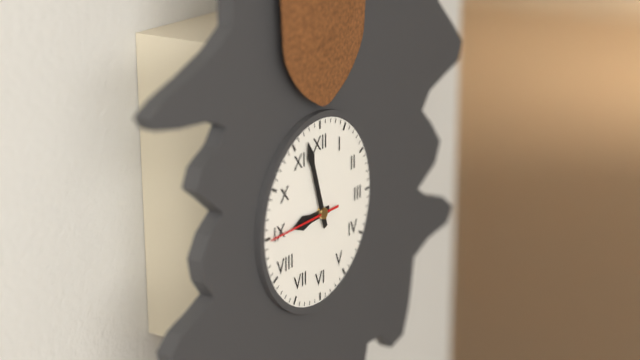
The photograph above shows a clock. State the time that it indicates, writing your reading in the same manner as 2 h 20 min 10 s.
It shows 8 h 57 min 45 s
